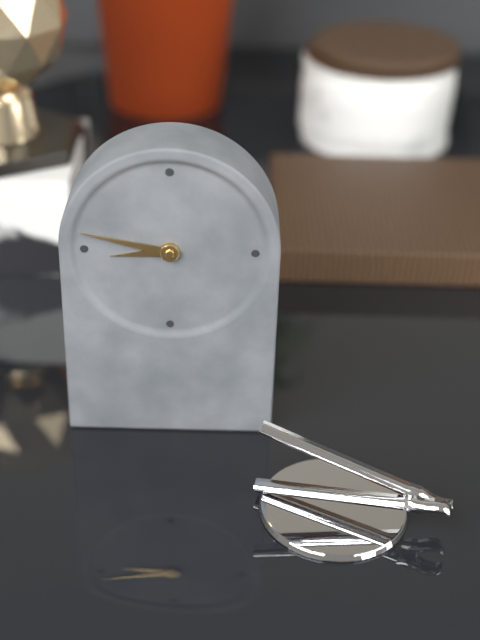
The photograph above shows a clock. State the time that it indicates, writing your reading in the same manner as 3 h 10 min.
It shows 8 h 47 min
